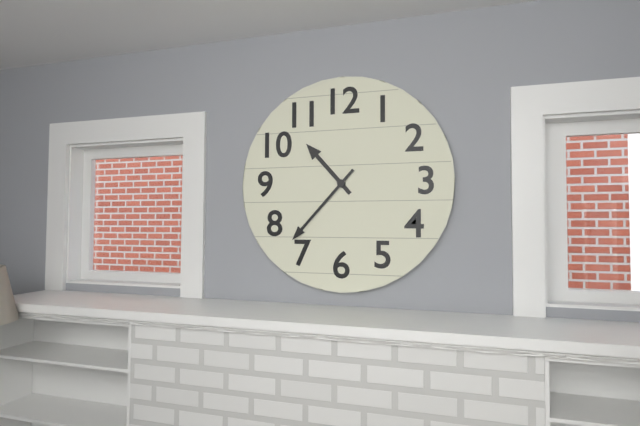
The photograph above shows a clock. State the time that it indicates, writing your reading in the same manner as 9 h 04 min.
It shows 10 h 37 min
